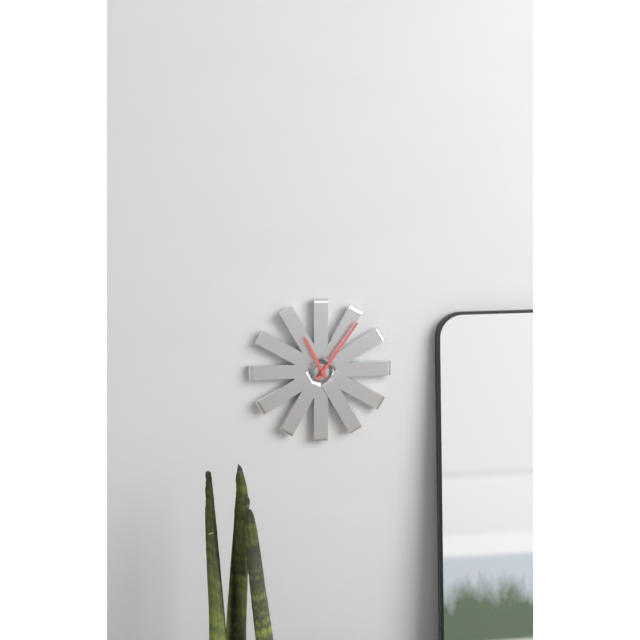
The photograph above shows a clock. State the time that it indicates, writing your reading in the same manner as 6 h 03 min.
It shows 11 h 06 min
